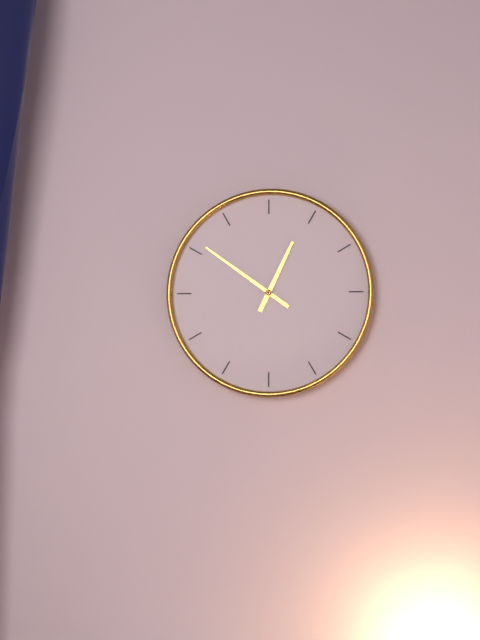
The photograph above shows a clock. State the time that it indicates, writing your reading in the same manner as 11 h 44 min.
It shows 12 h 51 min
